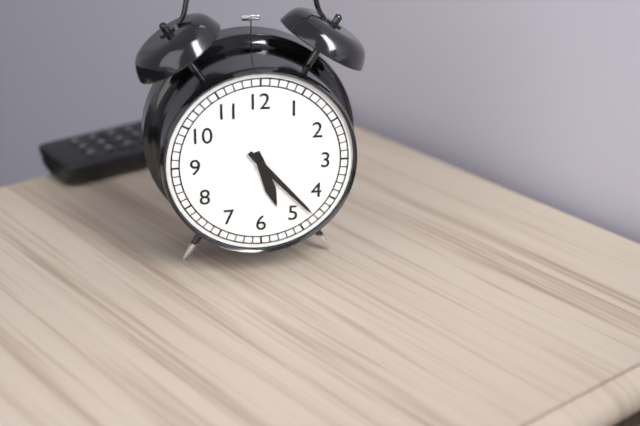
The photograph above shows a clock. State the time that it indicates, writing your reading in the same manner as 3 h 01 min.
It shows 5 h 23 min
